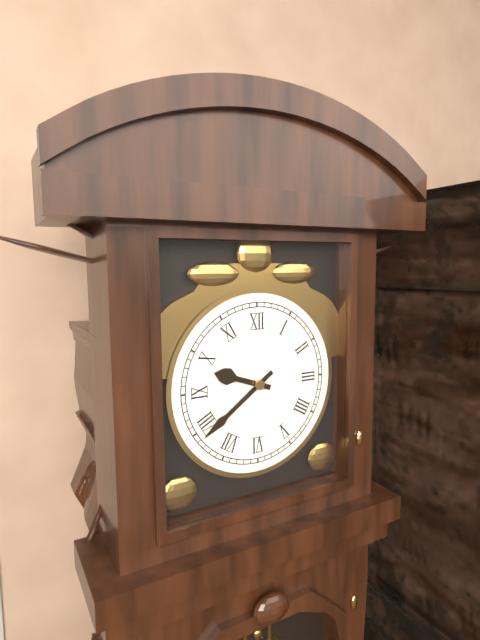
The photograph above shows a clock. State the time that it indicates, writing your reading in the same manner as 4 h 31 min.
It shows 9 h 39 min
